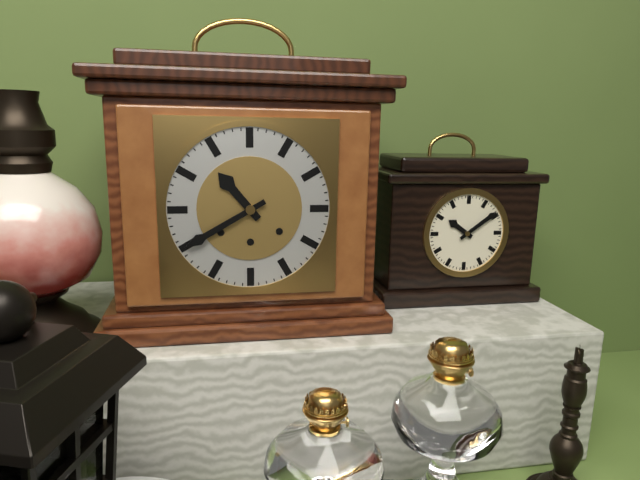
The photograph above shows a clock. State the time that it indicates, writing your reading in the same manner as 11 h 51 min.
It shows 10 h 40 min
